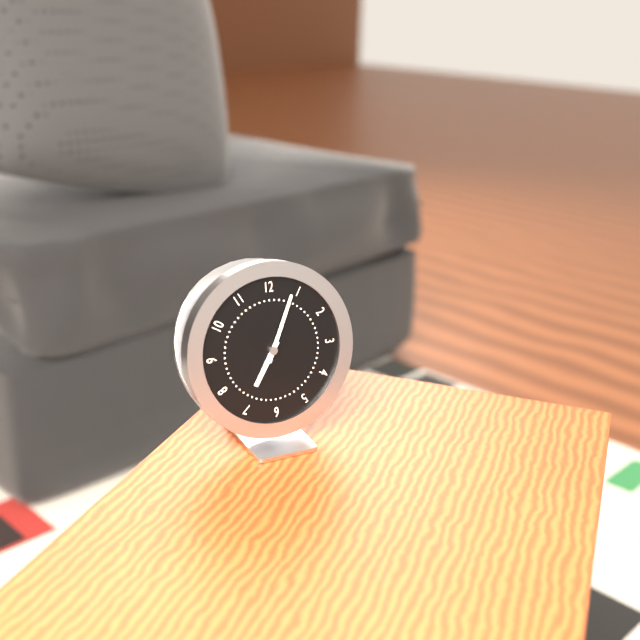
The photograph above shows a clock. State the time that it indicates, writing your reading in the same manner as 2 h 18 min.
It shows 7 h 04 min
